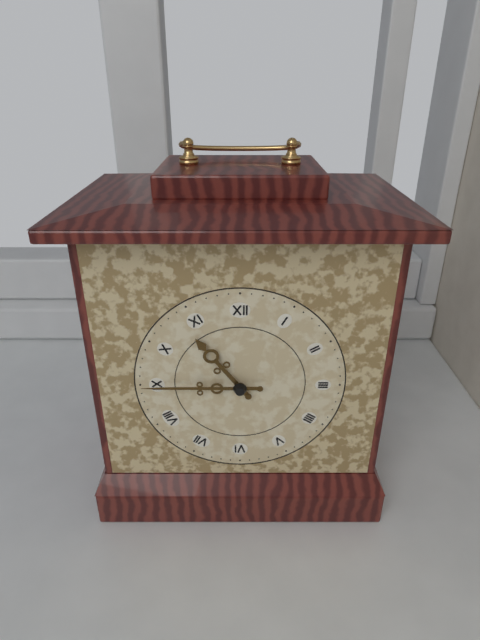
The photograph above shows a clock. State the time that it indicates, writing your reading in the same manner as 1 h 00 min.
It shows 10 h 45 min
